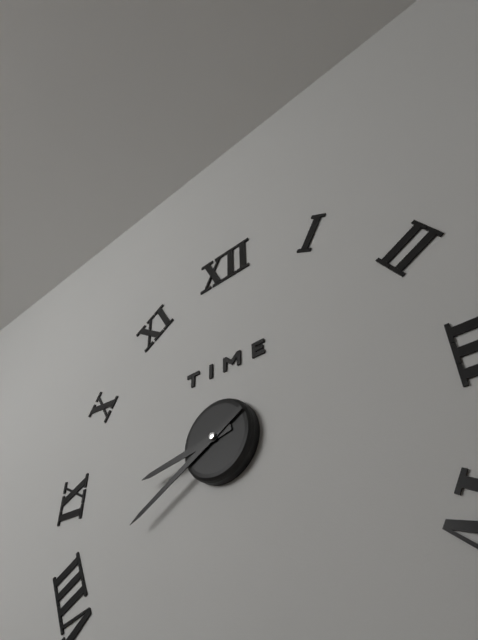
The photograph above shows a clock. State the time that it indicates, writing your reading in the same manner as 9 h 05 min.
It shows 8 h 40 min
